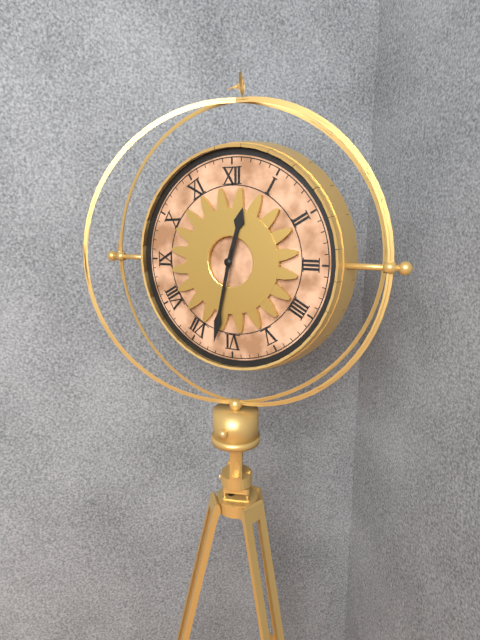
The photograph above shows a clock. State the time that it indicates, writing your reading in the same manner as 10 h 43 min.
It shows 12 h 32 min
